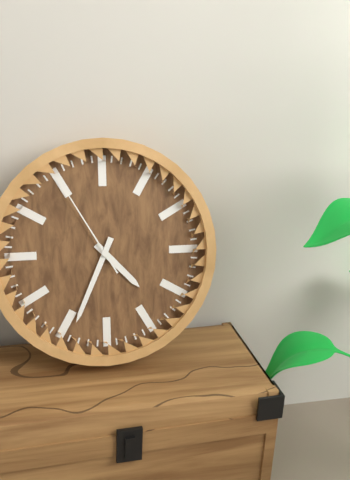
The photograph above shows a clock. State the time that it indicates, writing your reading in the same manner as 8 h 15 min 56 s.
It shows 4 h 34 min 55 s
